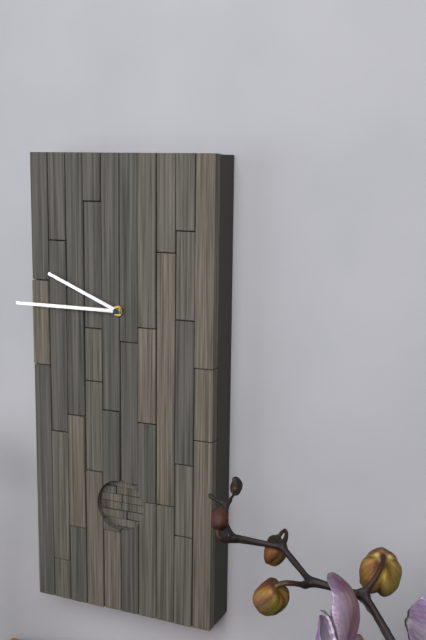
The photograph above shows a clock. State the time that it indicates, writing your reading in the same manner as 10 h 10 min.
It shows 9 h 45 min
